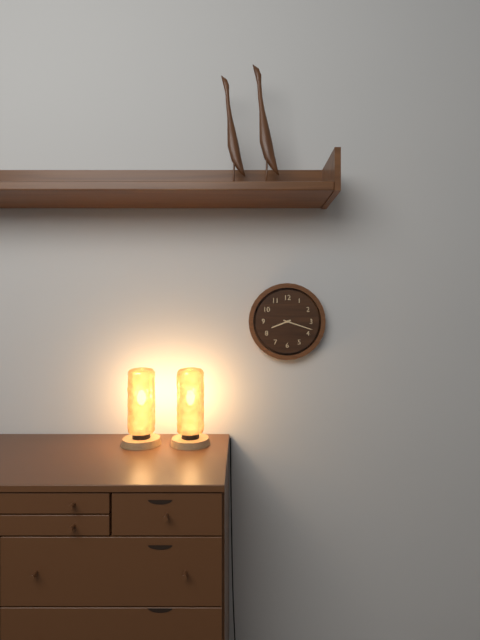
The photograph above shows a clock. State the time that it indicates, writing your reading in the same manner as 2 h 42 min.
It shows 8 h 18 min
